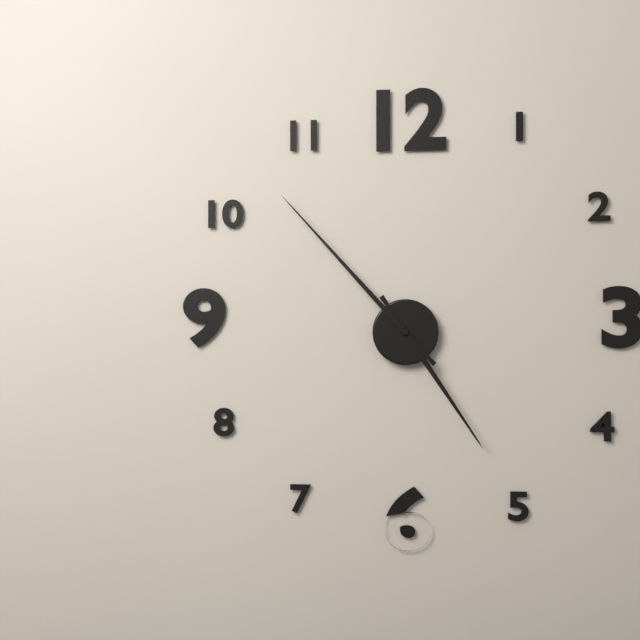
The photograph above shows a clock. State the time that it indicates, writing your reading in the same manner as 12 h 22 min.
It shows 4 h 53 min
